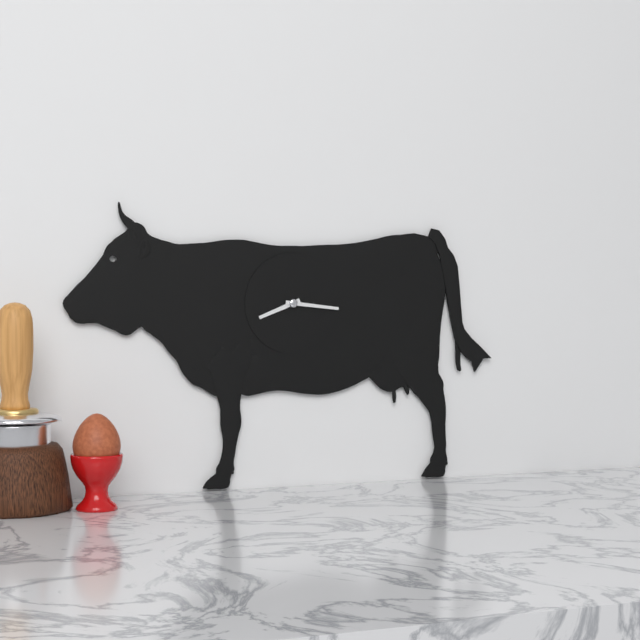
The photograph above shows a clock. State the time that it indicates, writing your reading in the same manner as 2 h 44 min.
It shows 8 h 16 min
